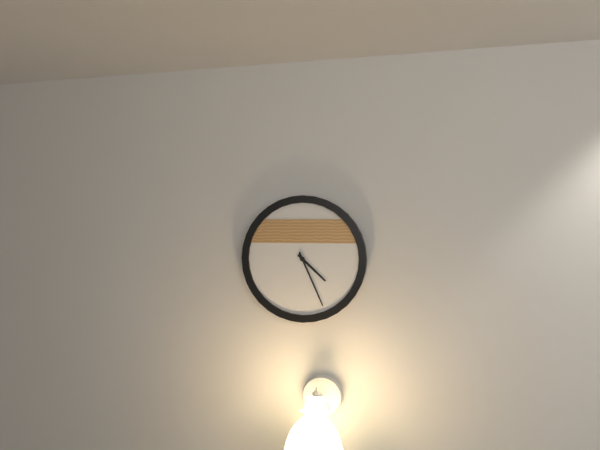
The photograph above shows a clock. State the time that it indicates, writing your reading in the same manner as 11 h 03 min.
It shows 4 h 26 min
